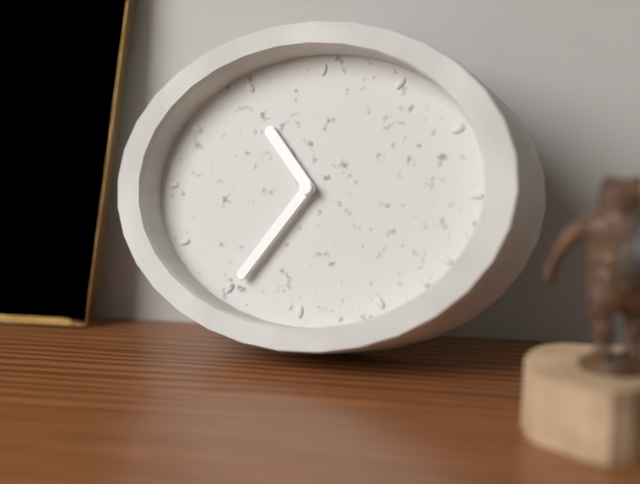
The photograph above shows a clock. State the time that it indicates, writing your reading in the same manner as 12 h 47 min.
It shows 10 h 36 min
